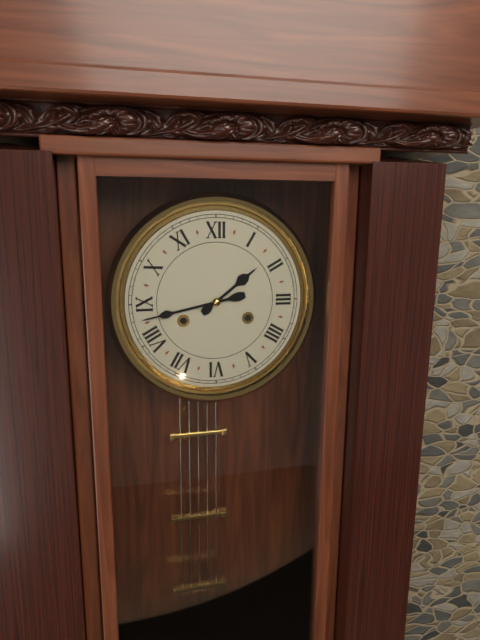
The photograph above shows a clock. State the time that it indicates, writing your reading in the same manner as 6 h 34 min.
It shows 1 h 43 min
